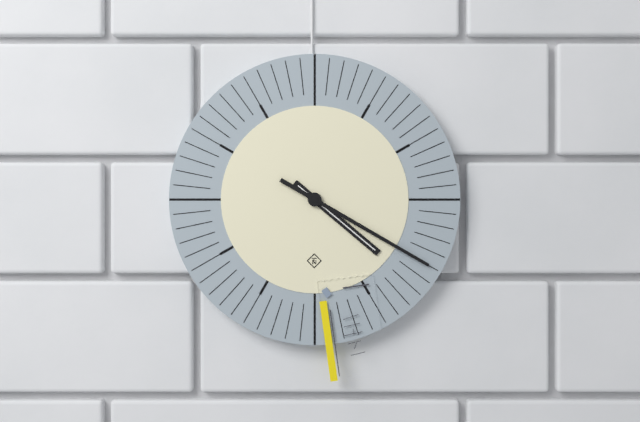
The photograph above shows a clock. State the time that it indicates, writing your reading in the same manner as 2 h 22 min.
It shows 4 h 20 min
